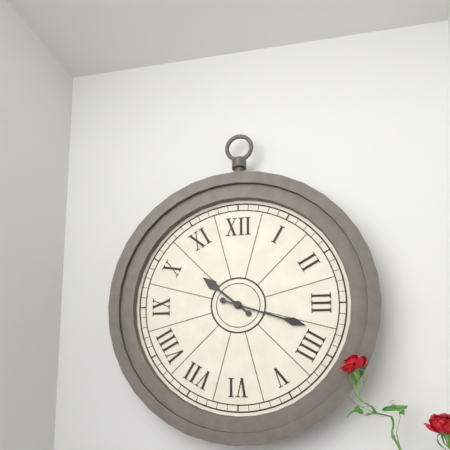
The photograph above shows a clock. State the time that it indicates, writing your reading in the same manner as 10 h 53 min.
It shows 10 h 18 min
